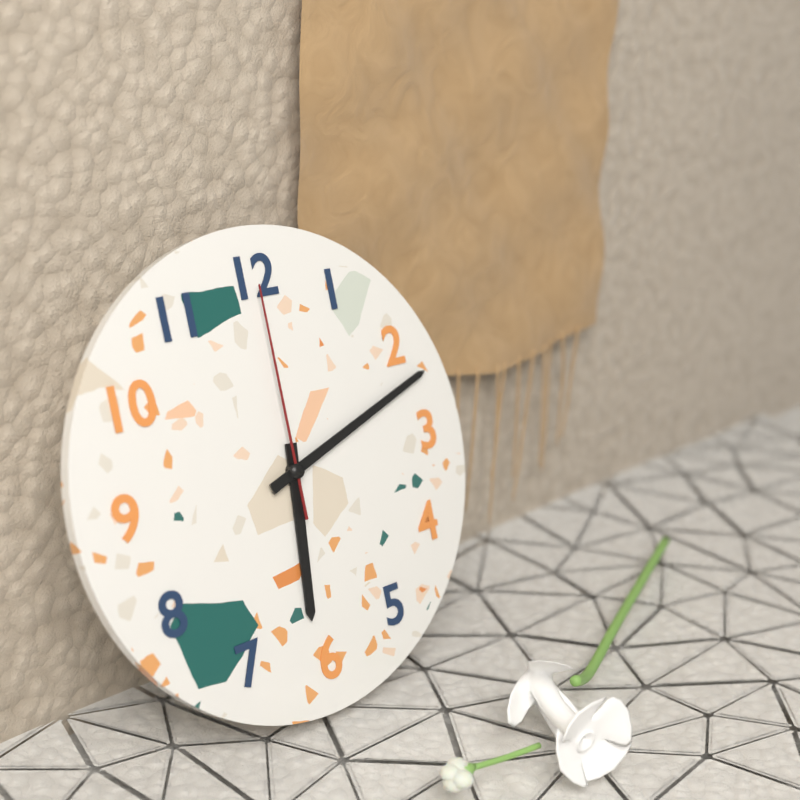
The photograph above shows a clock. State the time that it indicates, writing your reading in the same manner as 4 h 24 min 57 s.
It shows 6 h 12 min 00 s
